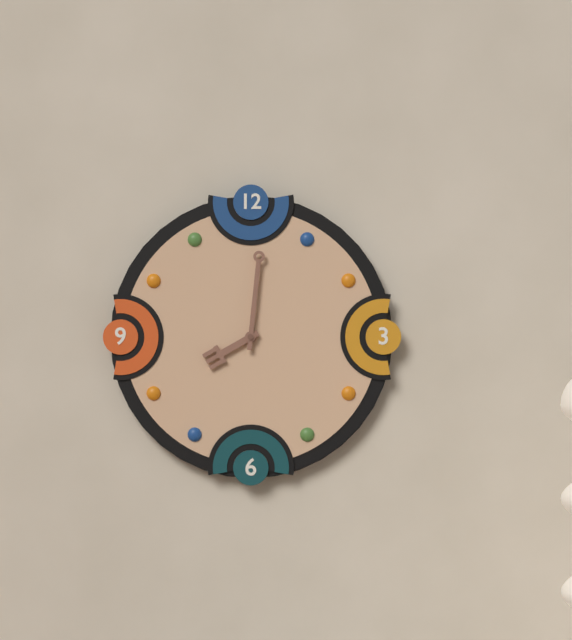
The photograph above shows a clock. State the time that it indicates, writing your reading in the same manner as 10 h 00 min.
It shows 8 h 01 min
